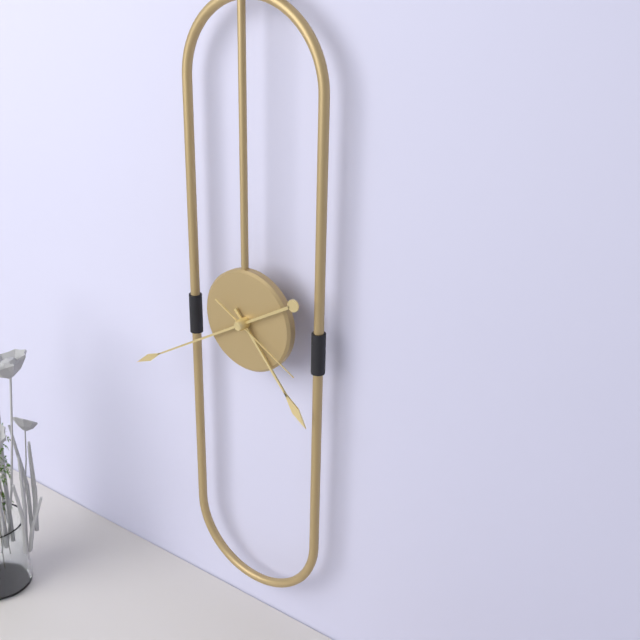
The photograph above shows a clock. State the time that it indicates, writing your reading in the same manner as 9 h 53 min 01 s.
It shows 4 h 40 min 20 s
